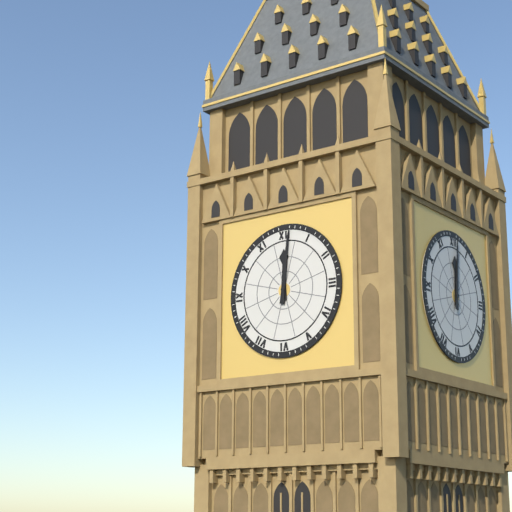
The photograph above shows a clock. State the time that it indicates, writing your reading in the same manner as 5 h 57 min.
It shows 12 h 01 min
